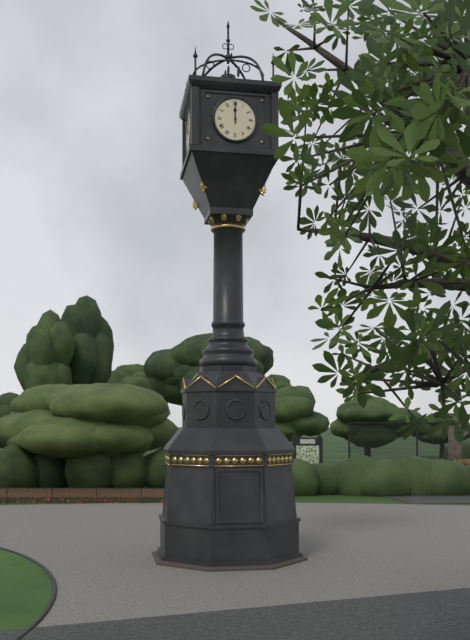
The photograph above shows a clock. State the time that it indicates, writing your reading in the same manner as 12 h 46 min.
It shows 12 h 00 min
